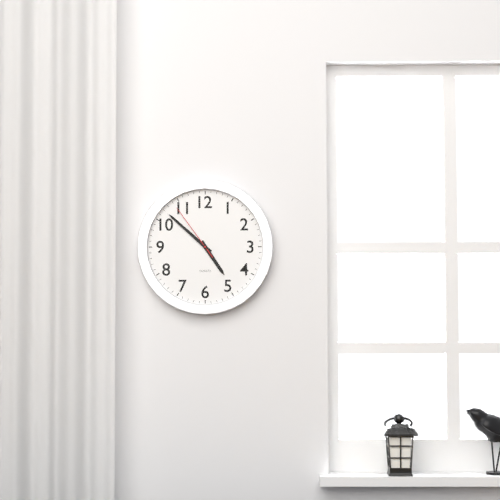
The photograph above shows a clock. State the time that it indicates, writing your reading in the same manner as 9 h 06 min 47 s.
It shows 4 h 52 min 54 s
